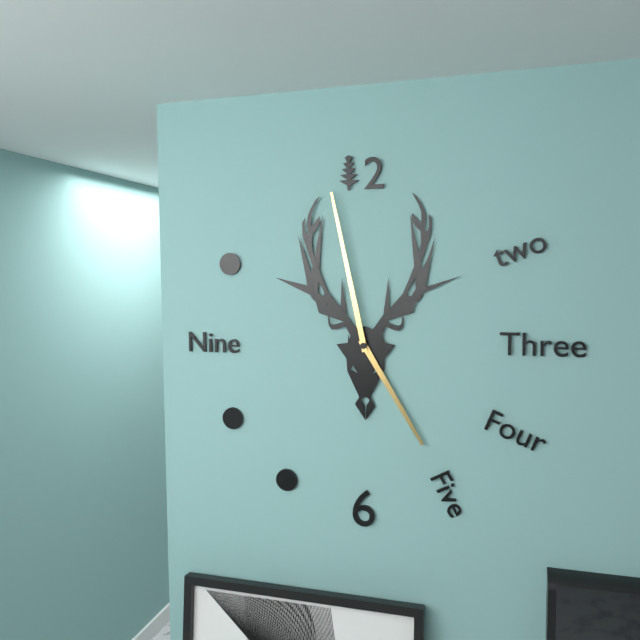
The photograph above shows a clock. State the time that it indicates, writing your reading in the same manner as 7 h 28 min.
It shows 4 h 58 min
